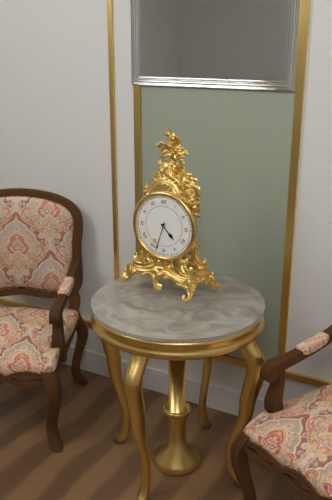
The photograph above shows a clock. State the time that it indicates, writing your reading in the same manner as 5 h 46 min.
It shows 4 h 33 min
